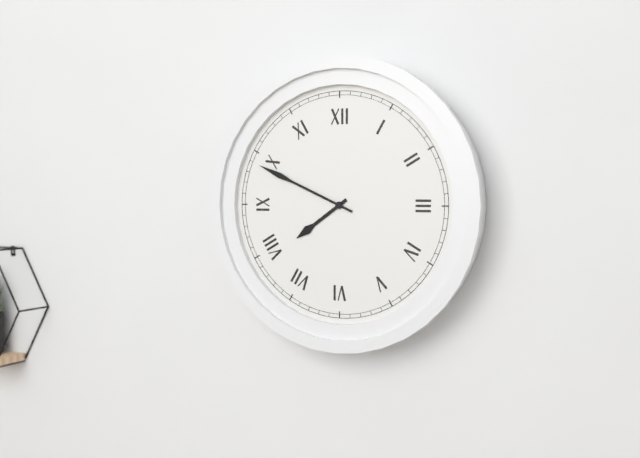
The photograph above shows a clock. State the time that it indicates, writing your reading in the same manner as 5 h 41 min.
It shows 7 h 49 min
